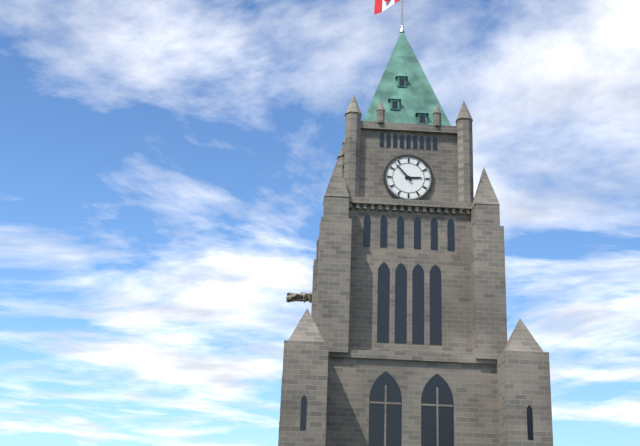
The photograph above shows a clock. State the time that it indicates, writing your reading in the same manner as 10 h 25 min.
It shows 2 h 53 min
